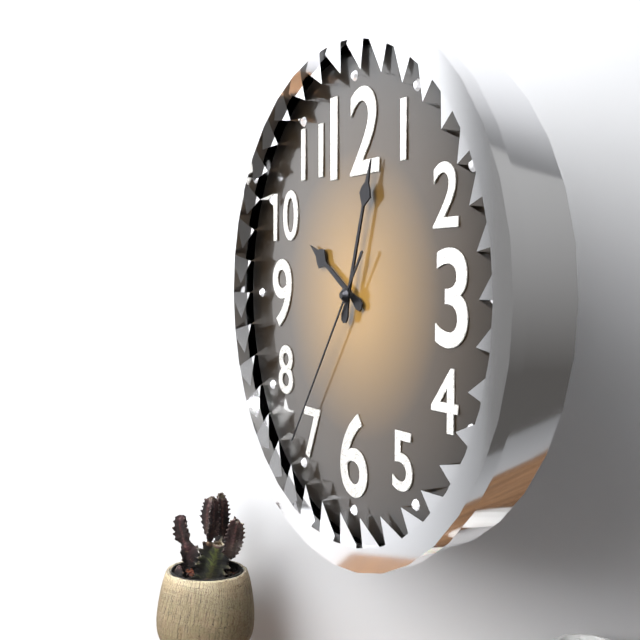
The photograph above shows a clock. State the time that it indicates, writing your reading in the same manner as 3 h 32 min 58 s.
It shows 10 h 03 min 36 s
